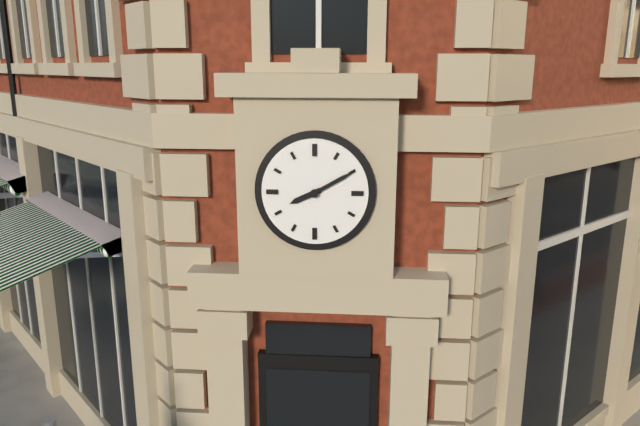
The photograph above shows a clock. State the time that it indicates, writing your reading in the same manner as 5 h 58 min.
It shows 8 h 10 min
